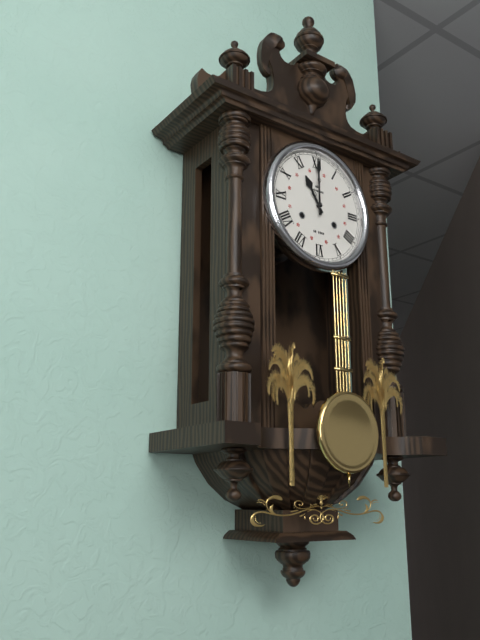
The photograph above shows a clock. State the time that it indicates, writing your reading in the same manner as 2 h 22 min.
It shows 11 h 00 min
